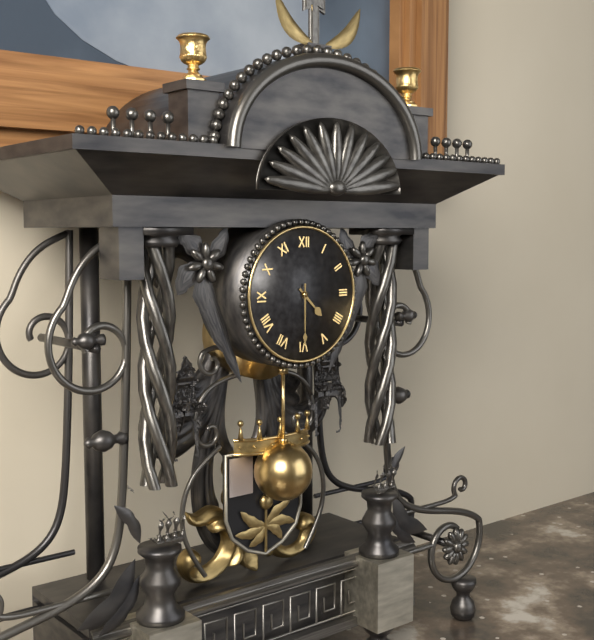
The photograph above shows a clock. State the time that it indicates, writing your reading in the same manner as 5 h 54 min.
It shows 4 h 30 min
